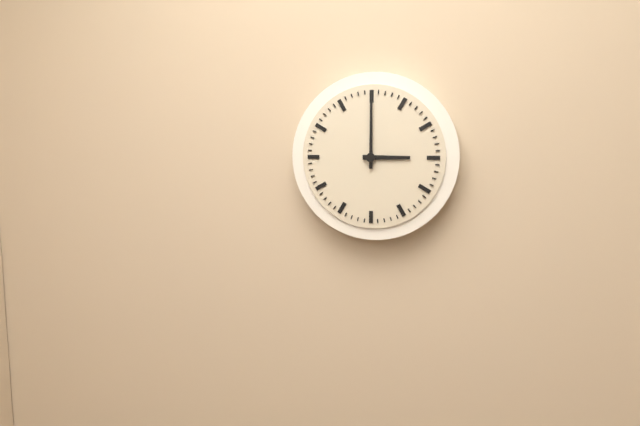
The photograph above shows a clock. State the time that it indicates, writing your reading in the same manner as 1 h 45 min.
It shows 3 h 00 min
